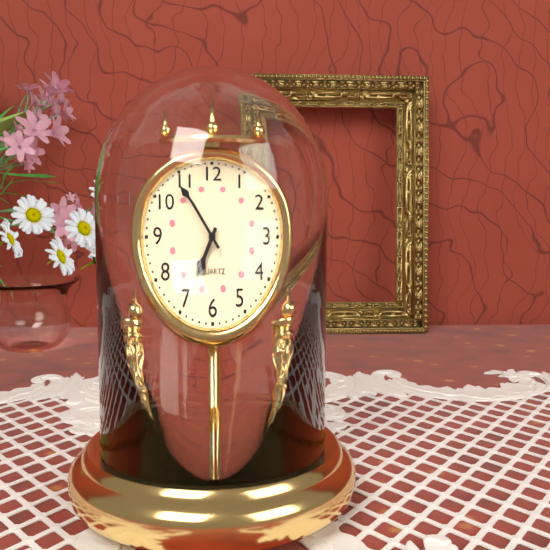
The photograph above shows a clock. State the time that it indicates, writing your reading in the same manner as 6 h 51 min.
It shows 6 h 54 min
